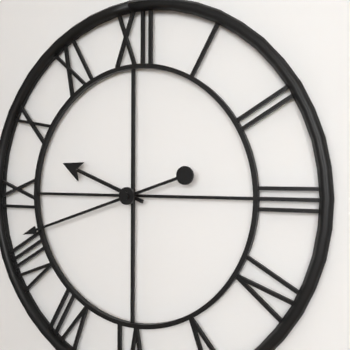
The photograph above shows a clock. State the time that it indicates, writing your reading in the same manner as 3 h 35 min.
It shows 9 h 42 min
